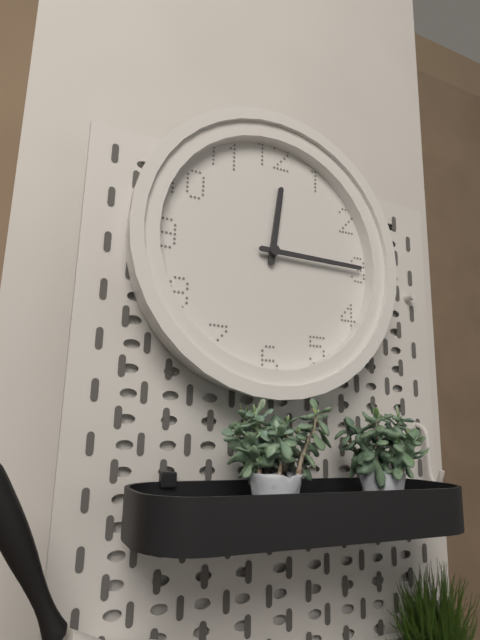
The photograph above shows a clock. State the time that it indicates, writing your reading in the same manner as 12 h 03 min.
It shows 12 h 15 min
